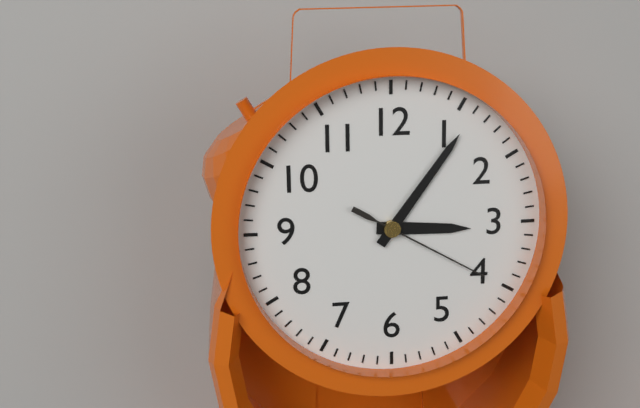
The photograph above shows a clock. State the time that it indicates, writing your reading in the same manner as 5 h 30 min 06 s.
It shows 3 h 06 min 20 s
